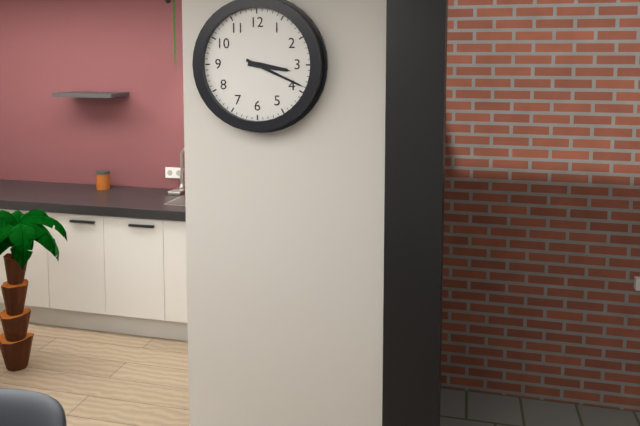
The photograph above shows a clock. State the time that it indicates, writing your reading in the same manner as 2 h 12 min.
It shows 3 h 19 min
